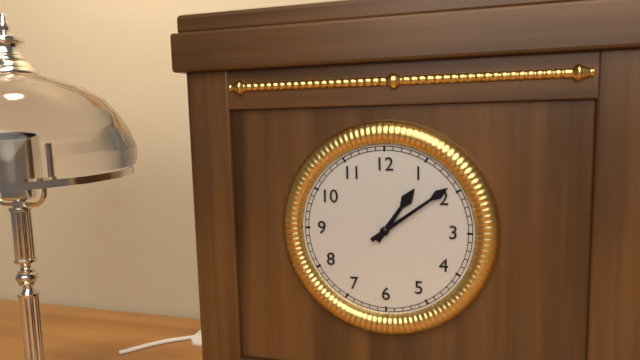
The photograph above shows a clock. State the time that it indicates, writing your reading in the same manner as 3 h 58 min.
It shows 1 h 09 min
